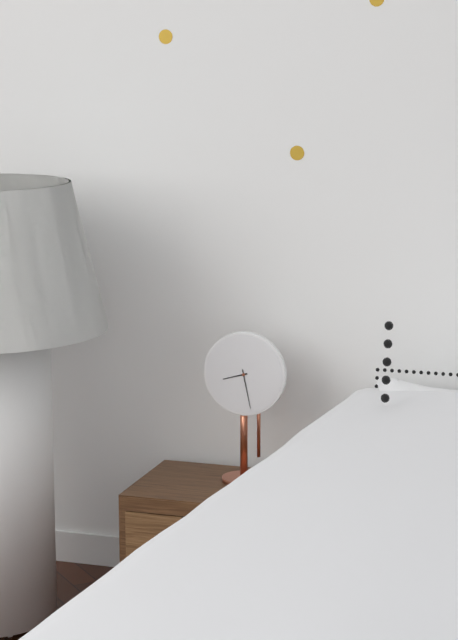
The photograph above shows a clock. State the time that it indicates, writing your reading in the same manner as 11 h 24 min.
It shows 8 h 28 min
